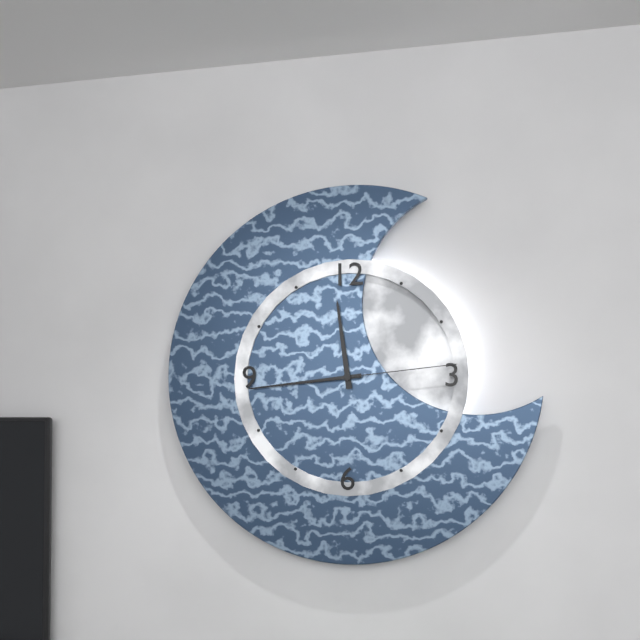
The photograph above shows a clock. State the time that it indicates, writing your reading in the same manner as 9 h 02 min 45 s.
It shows 11 h 44 min 14 s
